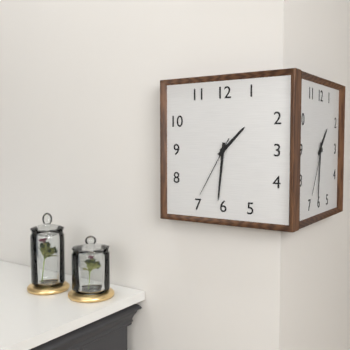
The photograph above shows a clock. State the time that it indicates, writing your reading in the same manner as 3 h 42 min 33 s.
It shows 1 h 31 min 35 s
